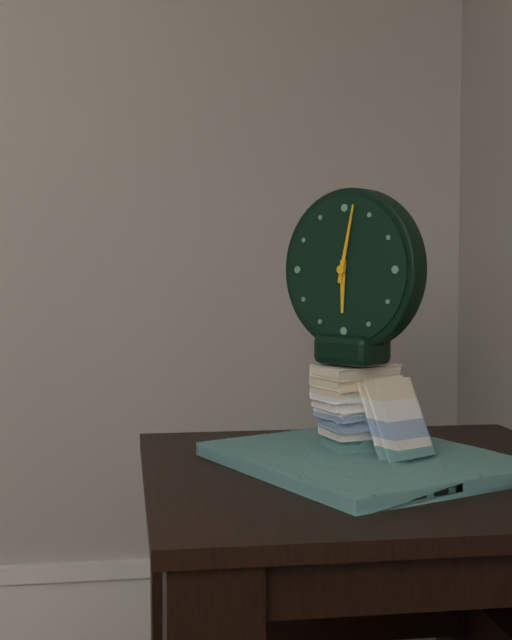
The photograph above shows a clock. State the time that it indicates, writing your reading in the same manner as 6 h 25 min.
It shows 6 h 02 min
